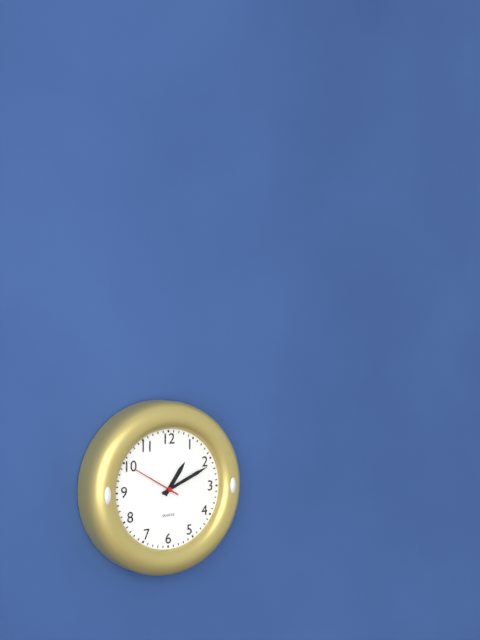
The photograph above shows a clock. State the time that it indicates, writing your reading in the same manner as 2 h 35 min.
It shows 1 h 11 min
